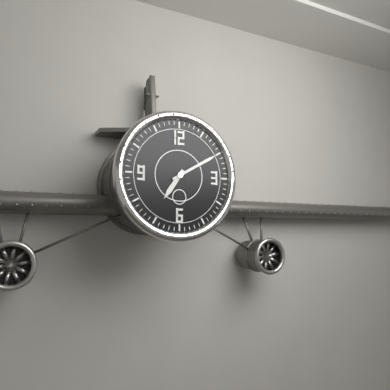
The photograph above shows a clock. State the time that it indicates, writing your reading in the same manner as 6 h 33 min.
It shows 7 h 10 min
